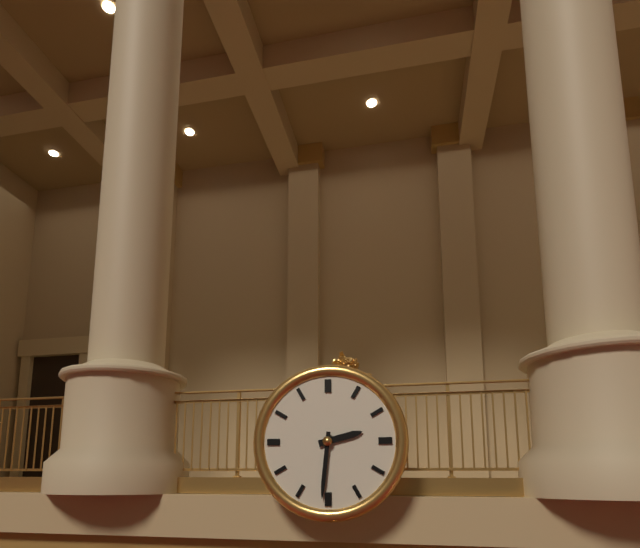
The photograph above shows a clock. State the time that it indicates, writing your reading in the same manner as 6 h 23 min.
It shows 2 h 31 min
